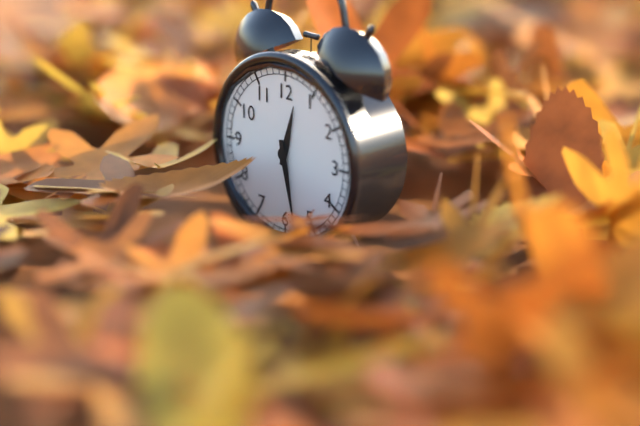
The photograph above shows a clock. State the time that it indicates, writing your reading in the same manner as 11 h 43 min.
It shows 12 h 28 min
